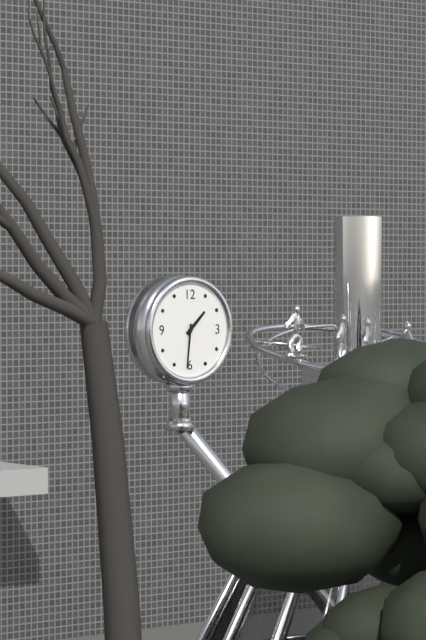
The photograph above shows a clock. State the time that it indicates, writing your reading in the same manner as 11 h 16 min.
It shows 1 h 31 min
